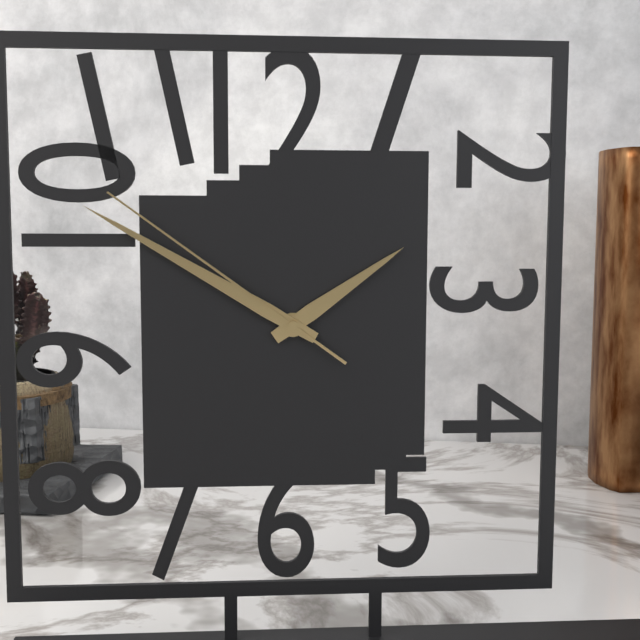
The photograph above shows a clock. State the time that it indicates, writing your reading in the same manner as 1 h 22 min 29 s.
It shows 1 h 50 min 51 s
